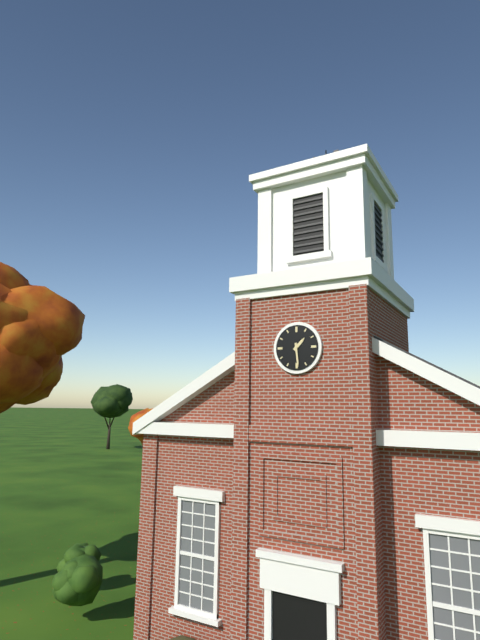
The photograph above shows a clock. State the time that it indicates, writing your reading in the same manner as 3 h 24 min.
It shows 1 h 29 min
